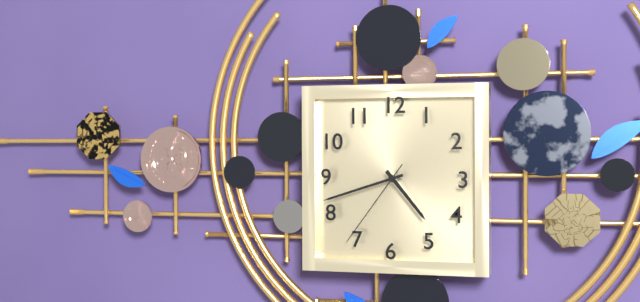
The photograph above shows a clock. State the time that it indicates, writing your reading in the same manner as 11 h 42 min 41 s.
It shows 4 h 42 min 36 s
